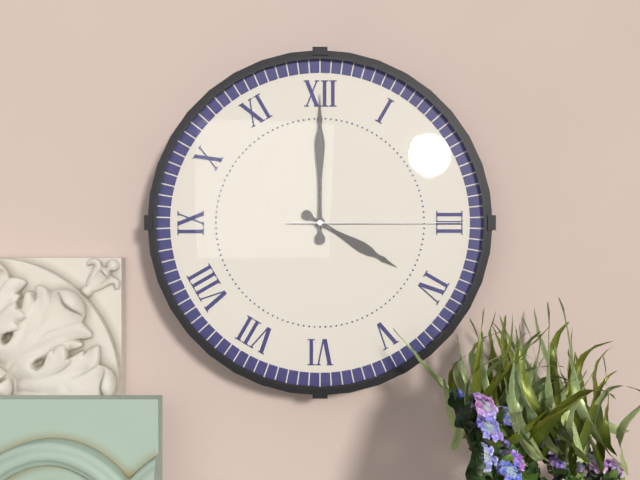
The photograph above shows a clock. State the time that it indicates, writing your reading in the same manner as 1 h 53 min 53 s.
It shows 4 h 00 min 15 s
